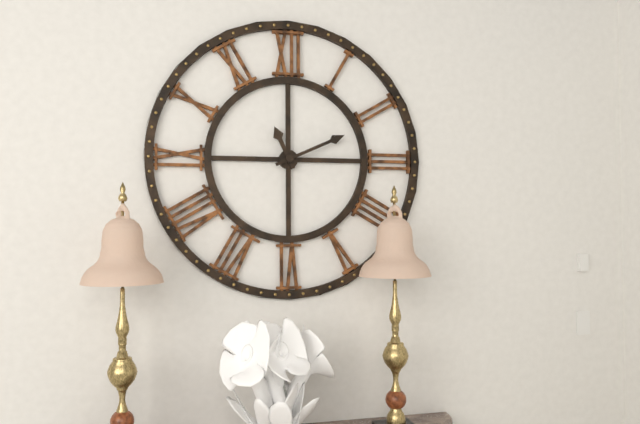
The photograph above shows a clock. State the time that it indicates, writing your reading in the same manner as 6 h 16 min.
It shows 11 h 11 min
